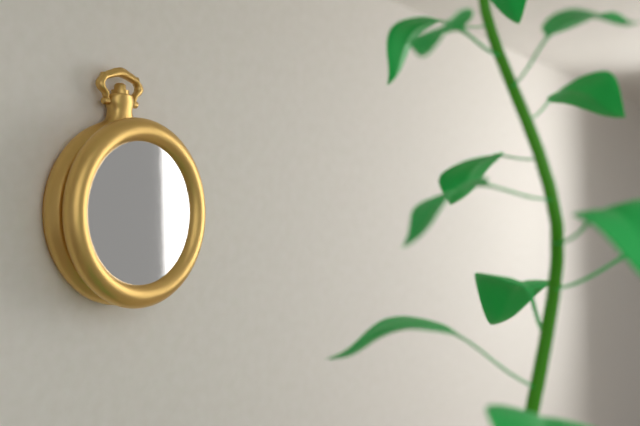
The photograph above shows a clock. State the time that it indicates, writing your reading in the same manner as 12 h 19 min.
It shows 12 h 11 min
